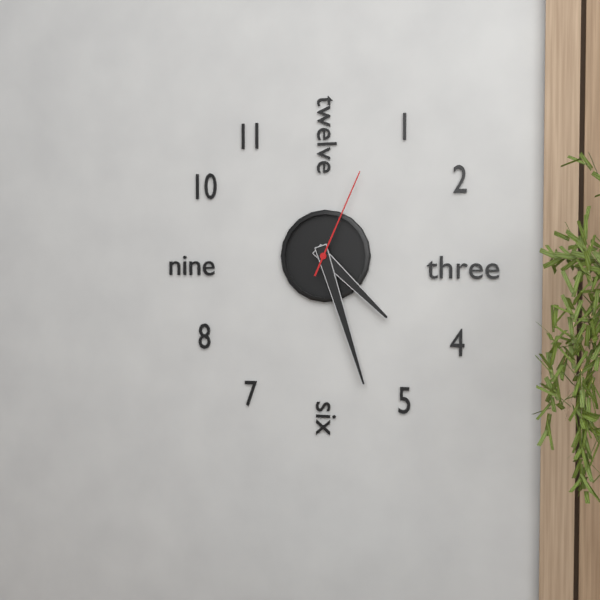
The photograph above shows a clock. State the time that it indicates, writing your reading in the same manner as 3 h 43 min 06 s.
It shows 4 h 27 min 04 s
